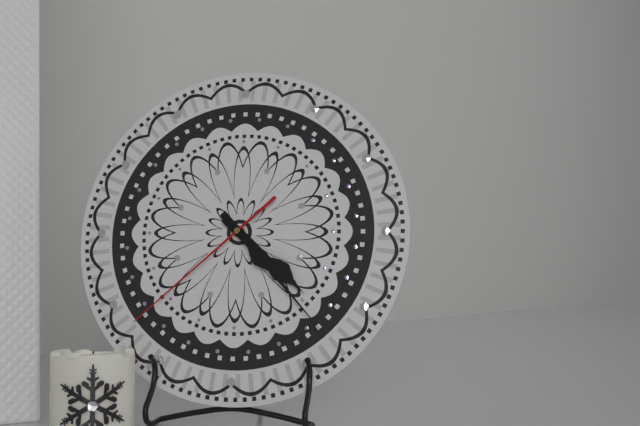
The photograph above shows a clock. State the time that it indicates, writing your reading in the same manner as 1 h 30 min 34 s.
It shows 4 h 23 min 38 s
